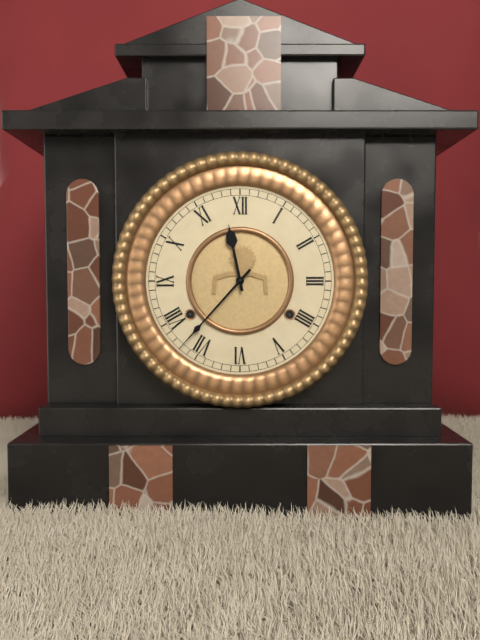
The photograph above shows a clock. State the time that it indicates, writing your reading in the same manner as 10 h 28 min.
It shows 11 h 37 min
